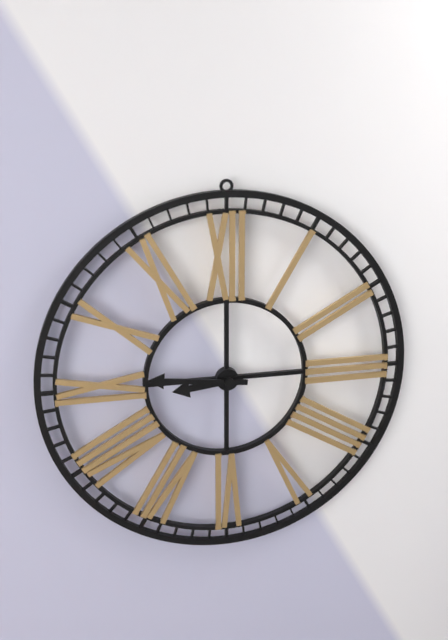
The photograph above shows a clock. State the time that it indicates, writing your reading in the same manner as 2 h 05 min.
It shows 8 h 46 min
